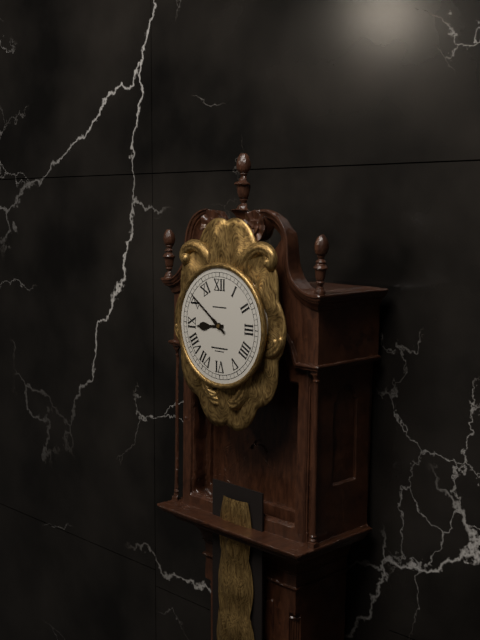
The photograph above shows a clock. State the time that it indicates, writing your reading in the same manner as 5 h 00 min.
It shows 8 h 51 min
